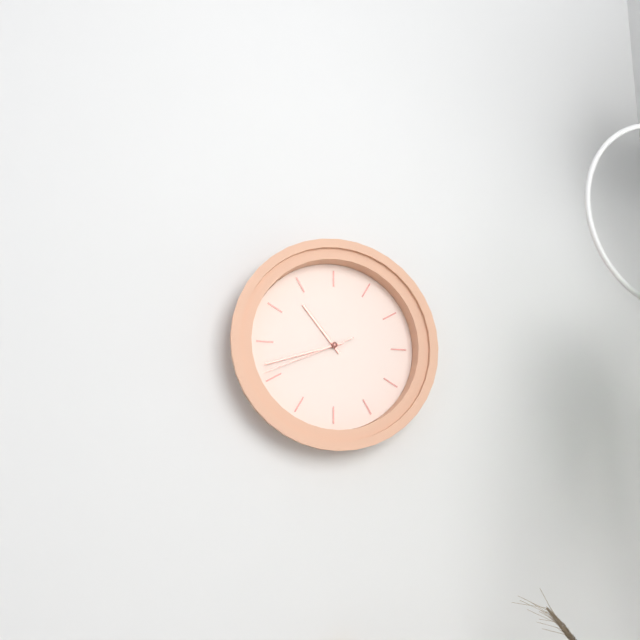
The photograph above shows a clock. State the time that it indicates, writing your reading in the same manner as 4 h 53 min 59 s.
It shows 10 h 42 min 41 s
